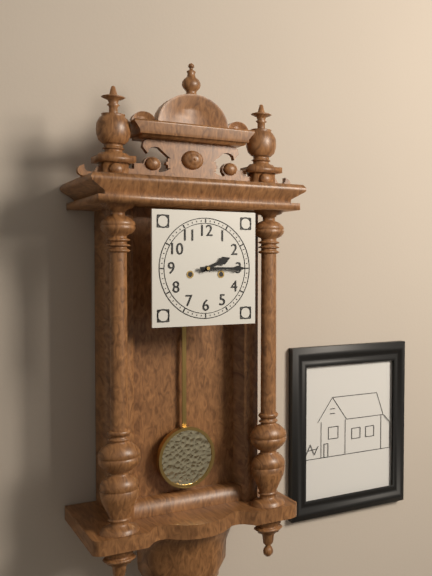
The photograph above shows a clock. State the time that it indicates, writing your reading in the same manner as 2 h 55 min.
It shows 2 h 15 min
